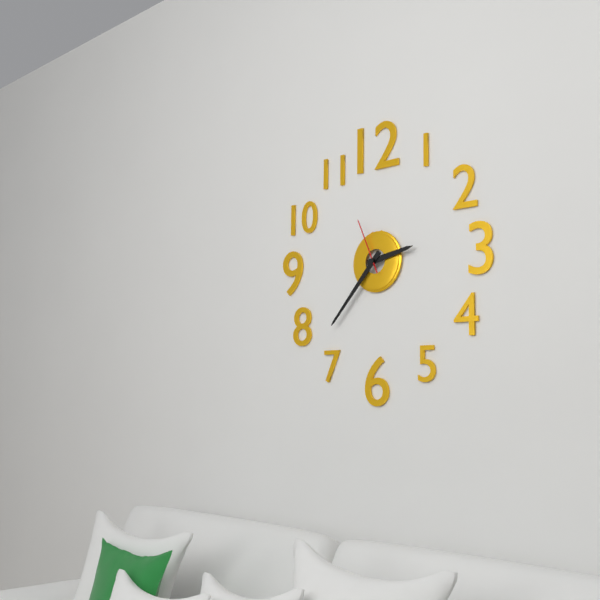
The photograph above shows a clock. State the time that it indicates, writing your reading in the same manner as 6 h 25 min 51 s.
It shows 2 h 37 min 56 s
